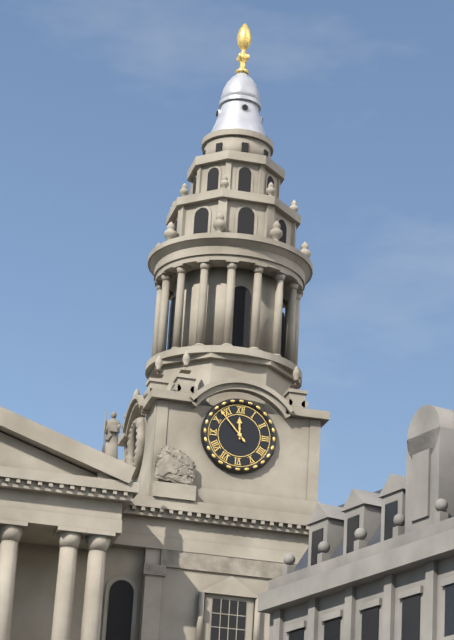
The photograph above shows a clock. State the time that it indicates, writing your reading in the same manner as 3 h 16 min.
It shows 11 h 53 min
